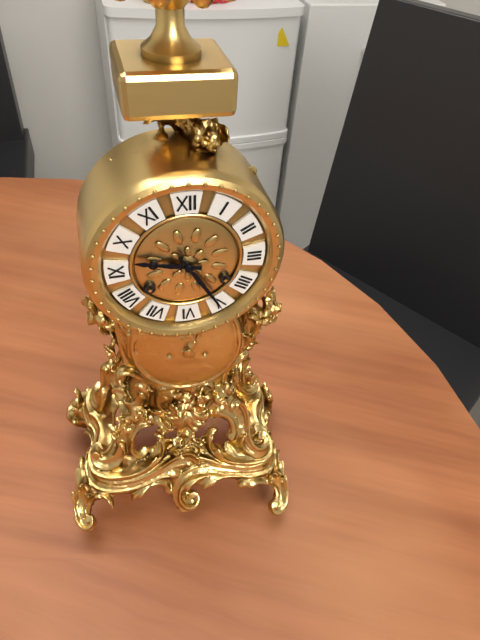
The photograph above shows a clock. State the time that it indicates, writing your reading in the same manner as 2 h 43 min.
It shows 9 h 25 min
